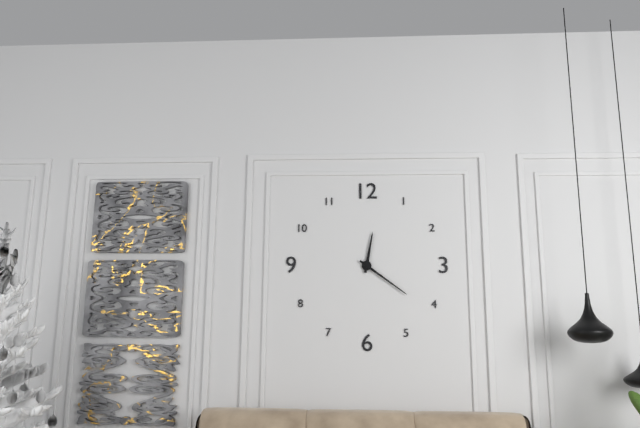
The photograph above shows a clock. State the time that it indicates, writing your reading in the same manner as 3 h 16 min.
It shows 12 h 21 min
